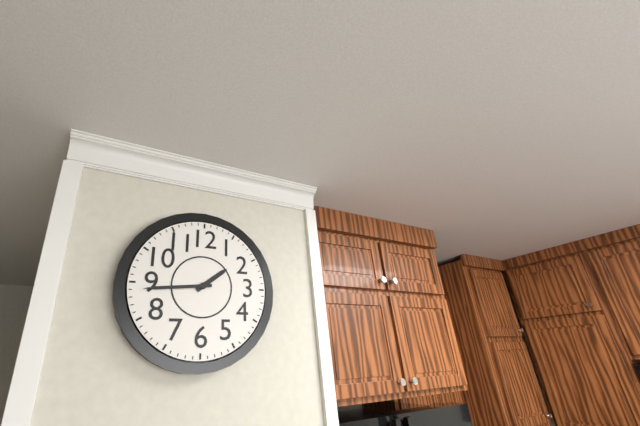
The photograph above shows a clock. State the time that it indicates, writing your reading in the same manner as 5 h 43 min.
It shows 1 h 44 min
